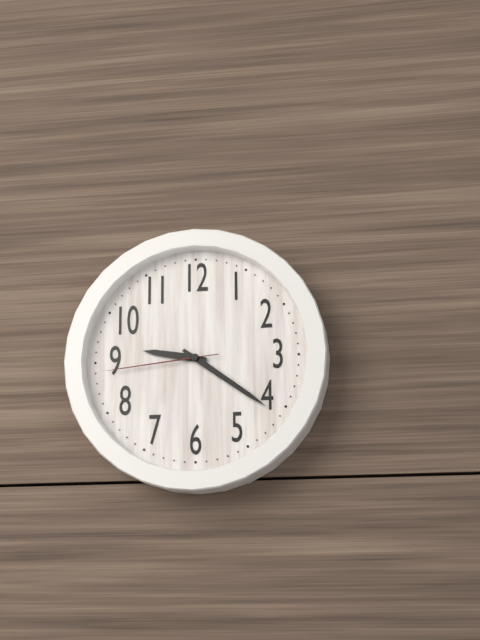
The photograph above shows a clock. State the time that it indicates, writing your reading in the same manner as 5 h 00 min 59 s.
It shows 9 h 21 min 44 s
